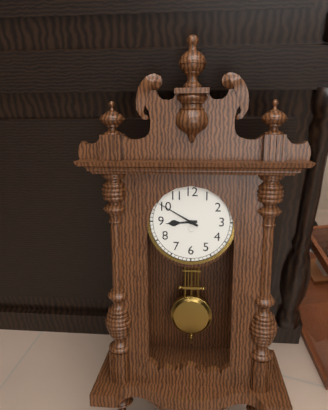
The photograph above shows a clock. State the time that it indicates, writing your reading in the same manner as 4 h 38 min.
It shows 8 h 50 min
